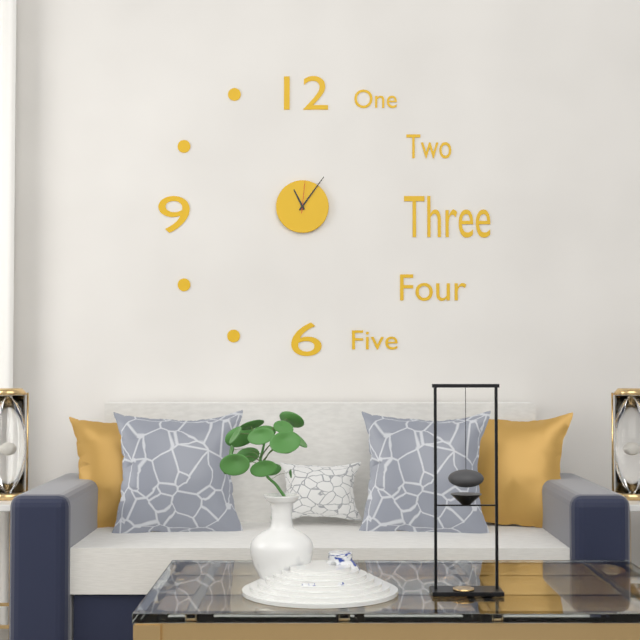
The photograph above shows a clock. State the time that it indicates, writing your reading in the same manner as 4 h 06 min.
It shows 11 h 06 min
